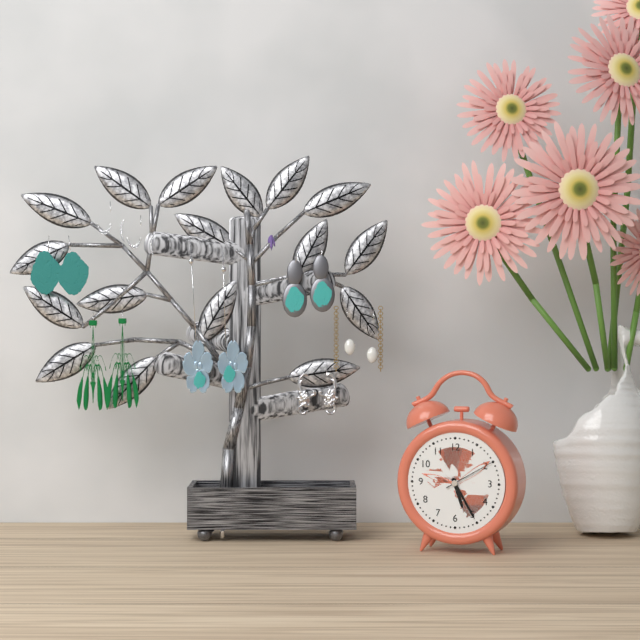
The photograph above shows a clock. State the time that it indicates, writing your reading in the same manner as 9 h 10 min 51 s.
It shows 5 h 25 min 10 s
